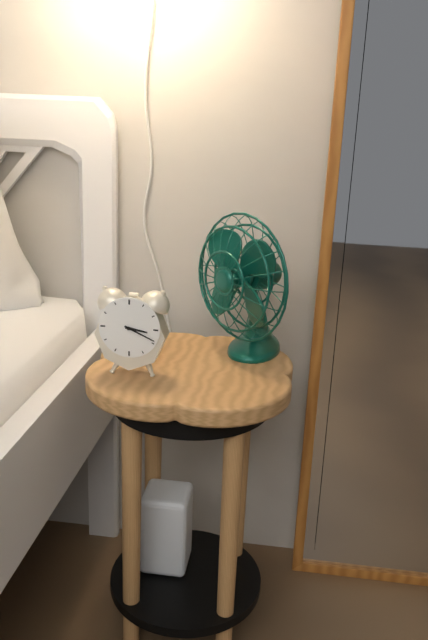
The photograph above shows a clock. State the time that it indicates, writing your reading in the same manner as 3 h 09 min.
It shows 3 h 19 min
